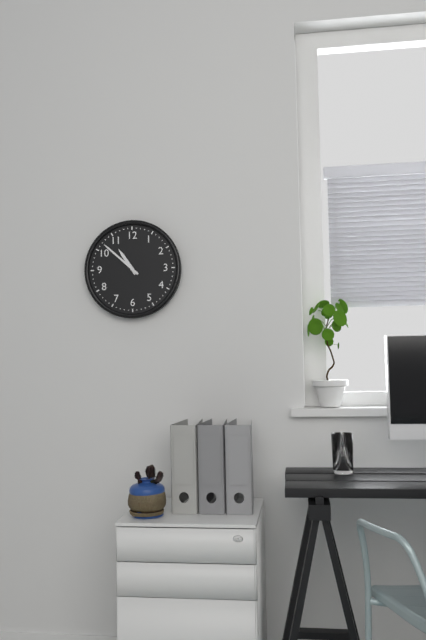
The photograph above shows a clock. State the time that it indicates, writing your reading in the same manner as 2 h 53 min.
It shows 10 h 52 min
